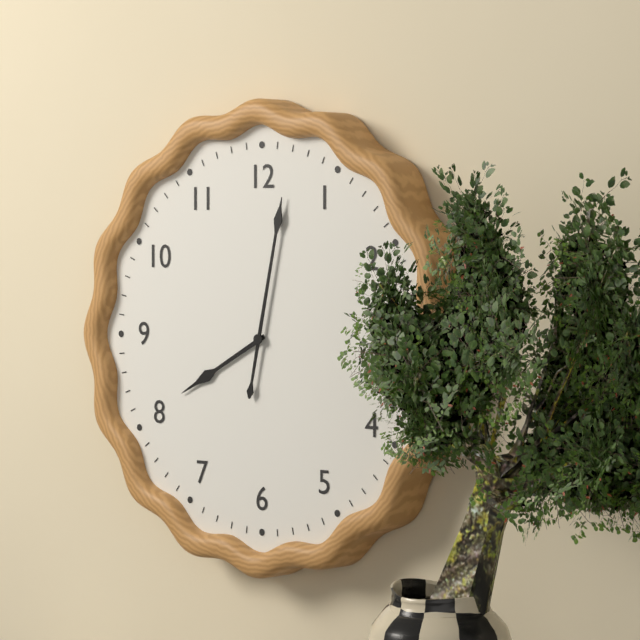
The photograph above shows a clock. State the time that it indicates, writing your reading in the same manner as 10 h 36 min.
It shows 8 h 02 min
